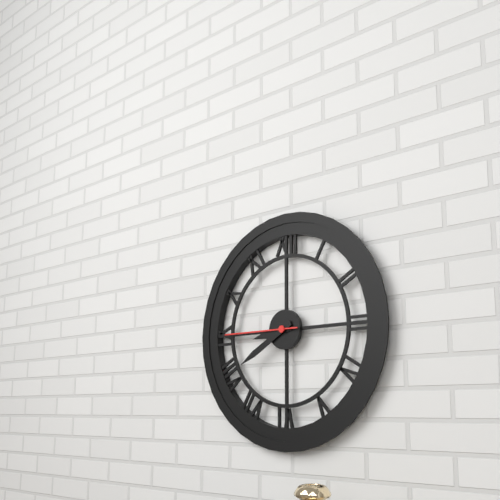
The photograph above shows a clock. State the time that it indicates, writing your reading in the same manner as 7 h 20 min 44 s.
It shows 8 h 40 min 45 s
